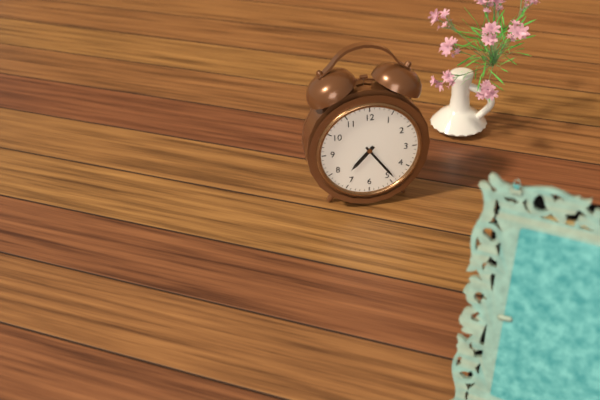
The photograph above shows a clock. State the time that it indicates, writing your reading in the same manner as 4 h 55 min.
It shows 7 h 24 min
